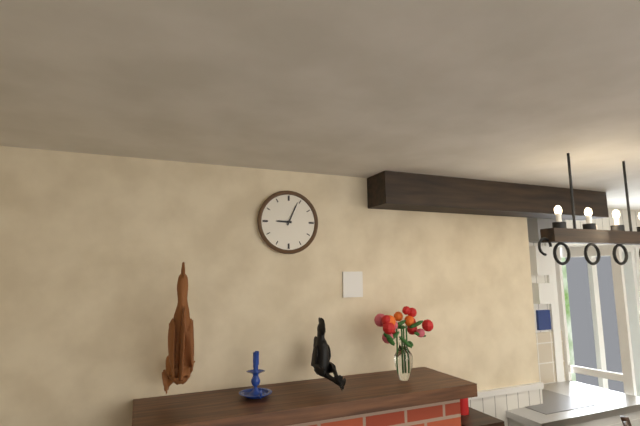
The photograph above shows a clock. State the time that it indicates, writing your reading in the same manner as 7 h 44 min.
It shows 9 h 04 min
